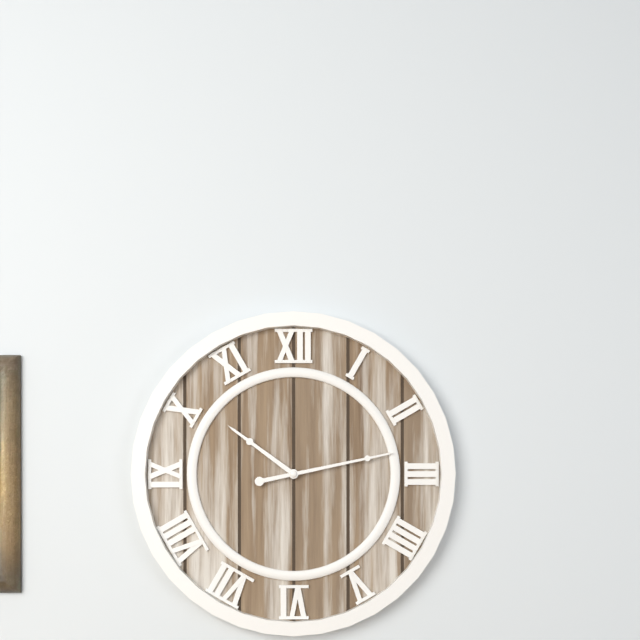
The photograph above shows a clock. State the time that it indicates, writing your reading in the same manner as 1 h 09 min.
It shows 10 h 13 min
